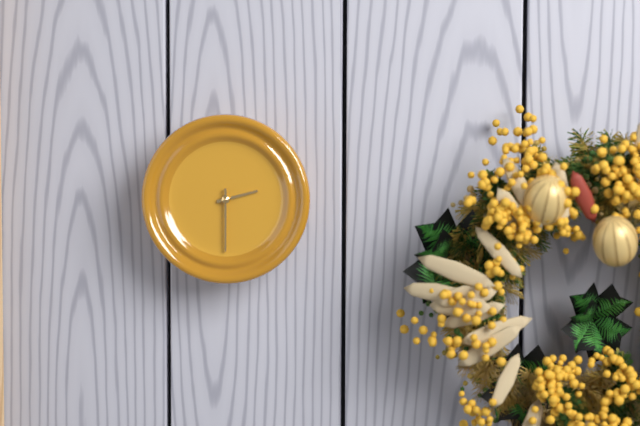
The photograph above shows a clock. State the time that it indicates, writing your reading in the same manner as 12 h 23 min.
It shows 2 h 30 min
